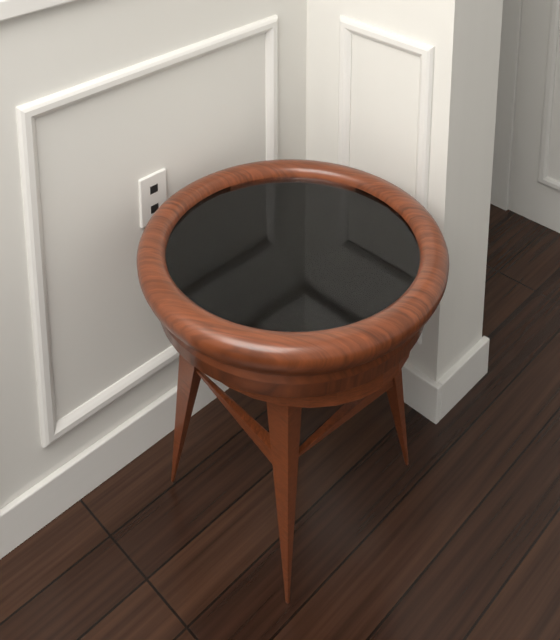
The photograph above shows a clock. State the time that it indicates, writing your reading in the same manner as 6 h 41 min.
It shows 5 h 39 min
